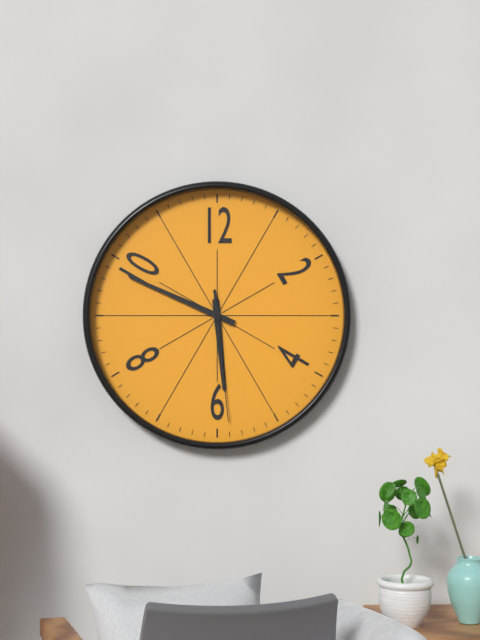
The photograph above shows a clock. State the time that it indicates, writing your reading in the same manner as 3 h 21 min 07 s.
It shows 5 h 49 min 29 s
